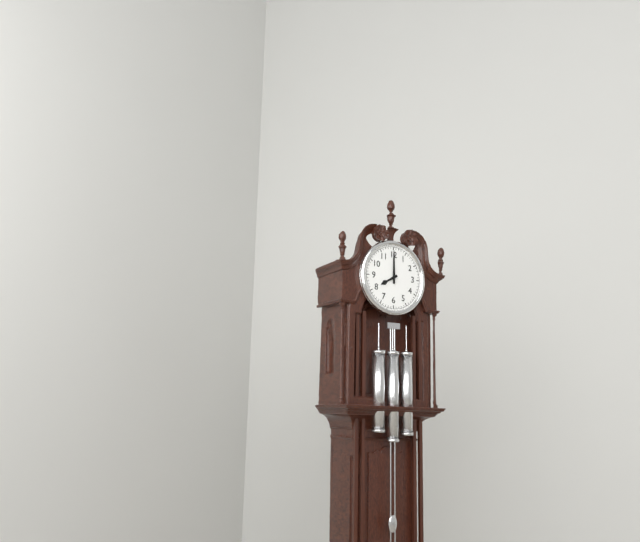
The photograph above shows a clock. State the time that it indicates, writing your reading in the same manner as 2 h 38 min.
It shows 8 h 00 min
